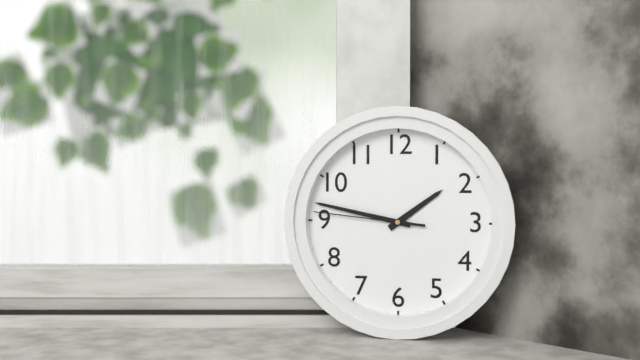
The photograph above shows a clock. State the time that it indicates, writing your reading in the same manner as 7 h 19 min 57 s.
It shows 1 h 47 min 46 s
